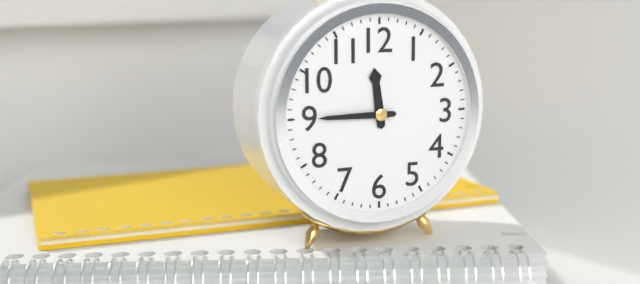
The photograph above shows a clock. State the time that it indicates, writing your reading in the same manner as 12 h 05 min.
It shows 11 h 45 min
